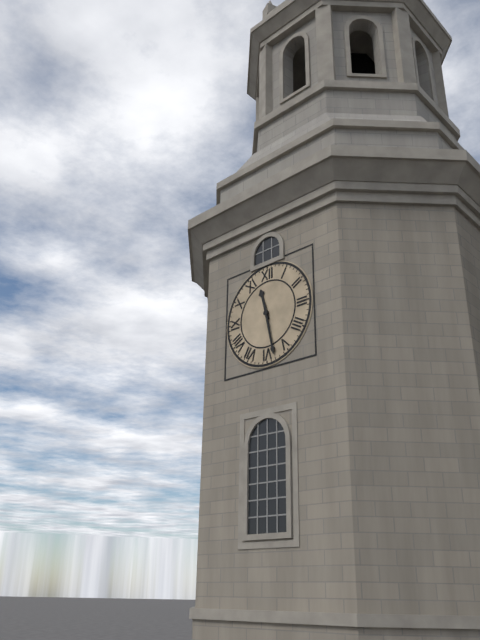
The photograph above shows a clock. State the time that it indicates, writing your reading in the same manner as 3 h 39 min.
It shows 11 h 28 min
